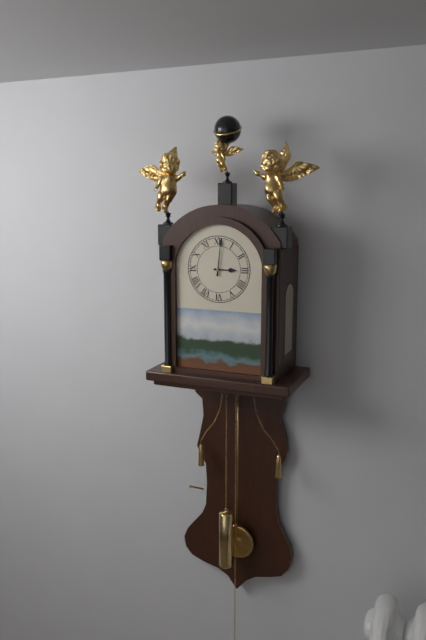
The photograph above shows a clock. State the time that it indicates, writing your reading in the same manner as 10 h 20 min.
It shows 3 h 01 min
